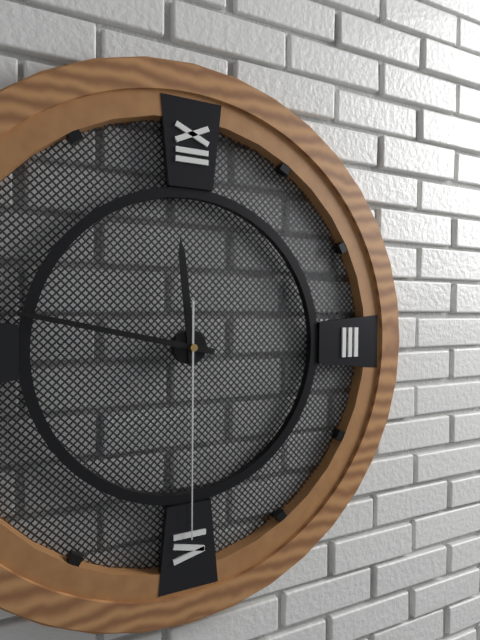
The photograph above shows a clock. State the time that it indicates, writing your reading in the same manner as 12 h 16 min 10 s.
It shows 11 h 47 min 30 s
